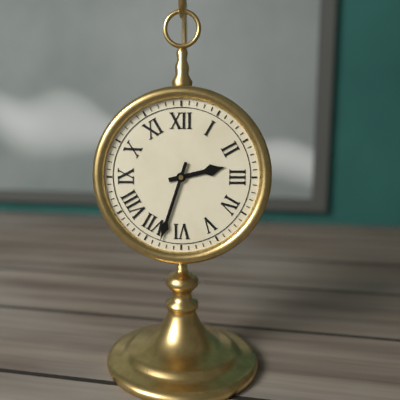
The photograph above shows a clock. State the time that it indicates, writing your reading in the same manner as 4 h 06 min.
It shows 2 h 33 min
